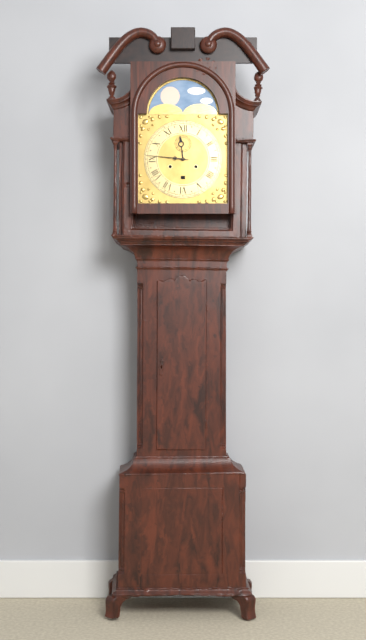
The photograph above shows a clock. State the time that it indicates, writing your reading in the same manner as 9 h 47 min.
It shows 11 h 46 min
